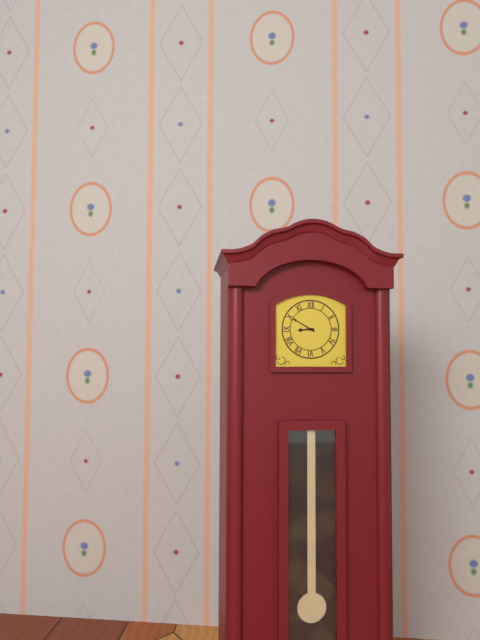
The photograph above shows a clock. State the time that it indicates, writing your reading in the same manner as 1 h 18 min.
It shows 8 h 50 min
